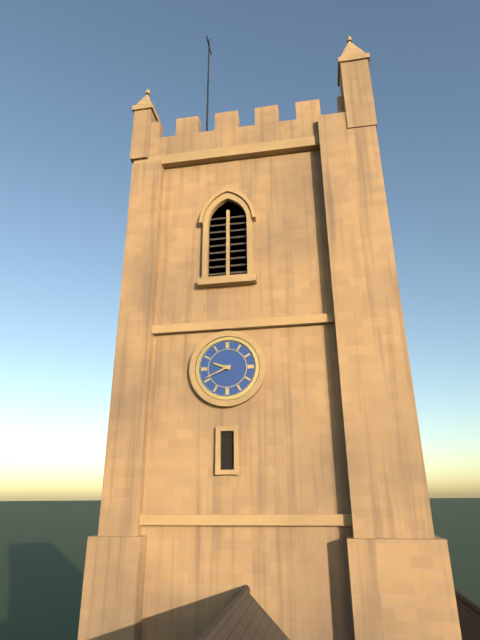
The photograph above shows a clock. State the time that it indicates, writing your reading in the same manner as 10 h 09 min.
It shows 9 h 41 min
